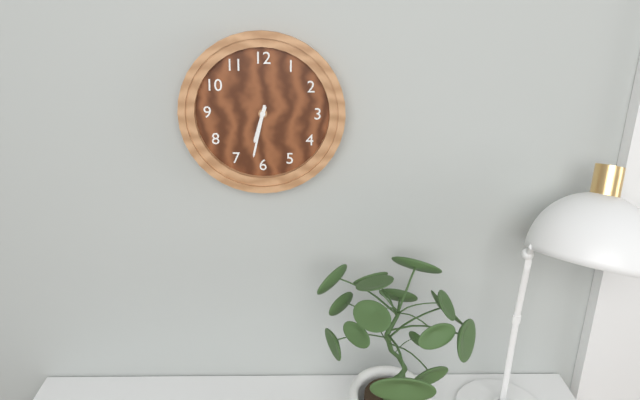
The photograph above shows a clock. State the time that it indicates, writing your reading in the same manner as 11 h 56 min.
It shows 6 h 32 min
